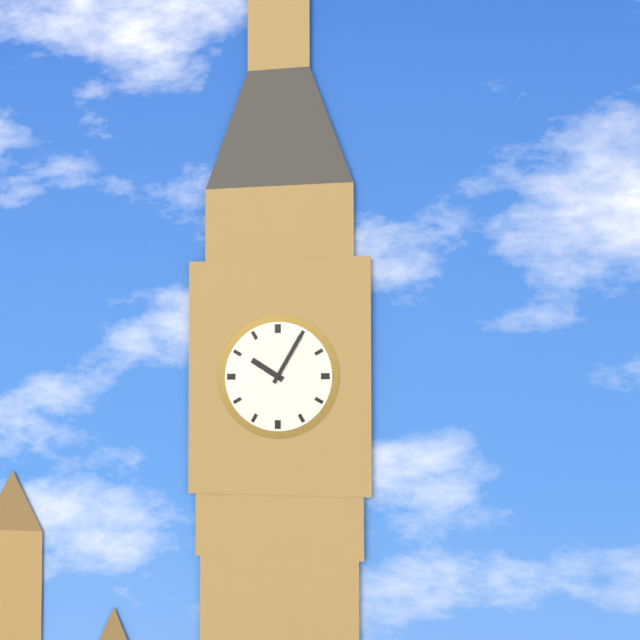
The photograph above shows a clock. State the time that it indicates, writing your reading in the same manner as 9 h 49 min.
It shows 10 h 05 min
